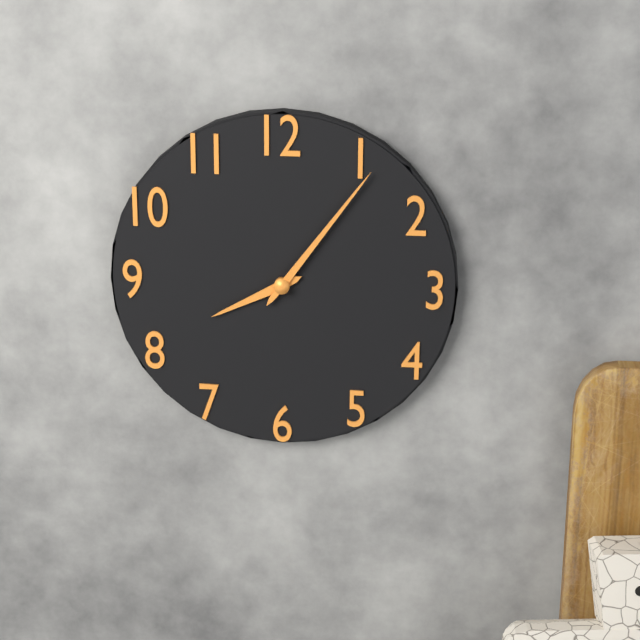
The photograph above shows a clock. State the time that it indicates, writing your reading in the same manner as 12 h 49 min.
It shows 8 h 06 min
